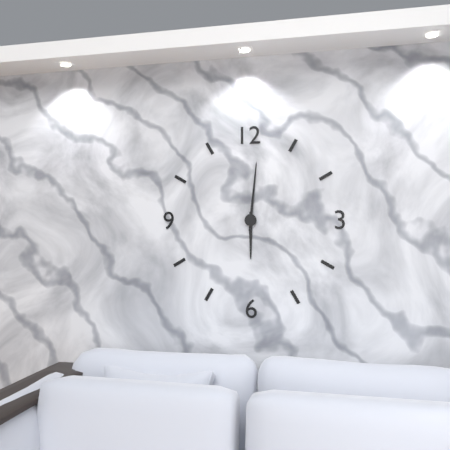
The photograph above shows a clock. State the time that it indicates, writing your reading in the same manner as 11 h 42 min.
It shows 6 h 01 min
